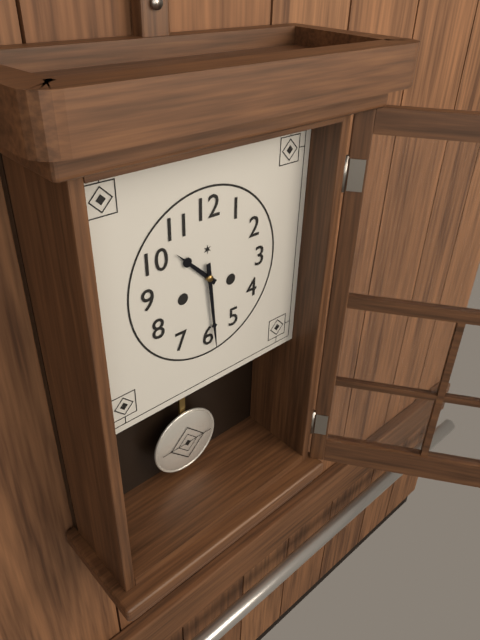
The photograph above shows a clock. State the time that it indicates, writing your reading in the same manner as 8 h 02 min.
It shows 10 h 29 min
